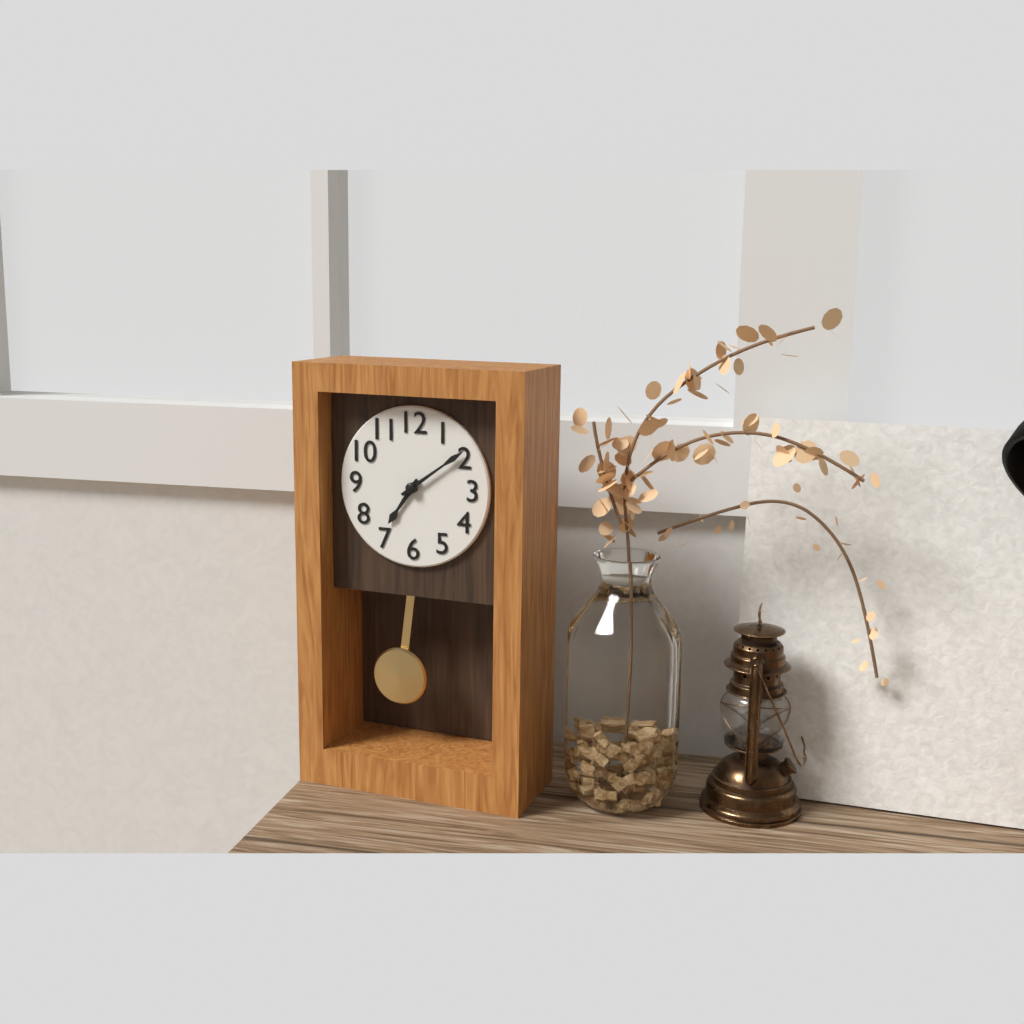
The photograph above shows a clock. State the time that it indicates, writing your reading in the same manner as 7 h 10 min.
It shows 7 h 09 min
